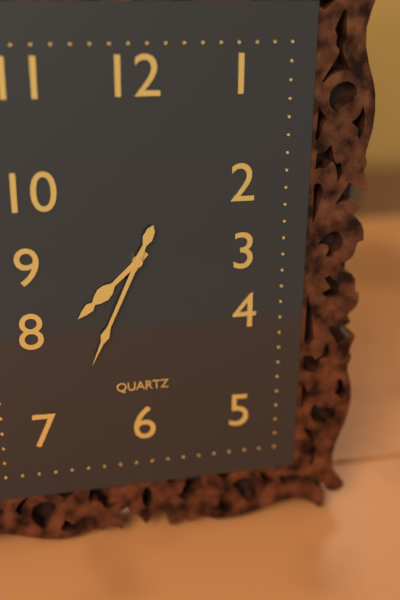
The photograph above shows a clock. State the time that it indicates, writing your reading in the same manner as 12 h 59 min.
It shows 7 h 34 min
